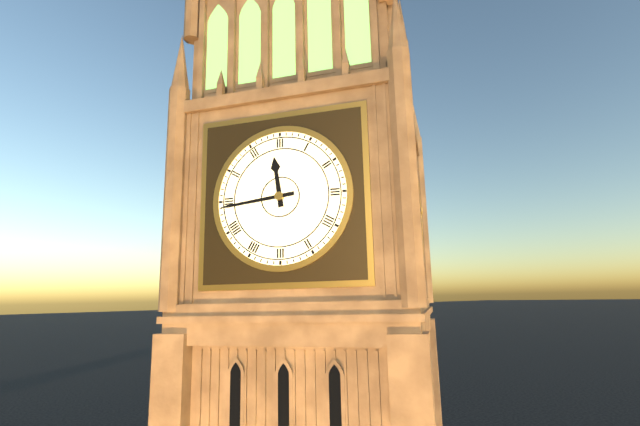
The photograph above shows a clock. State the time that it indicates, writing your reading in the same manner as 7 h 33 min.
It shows 11 h 44 min
